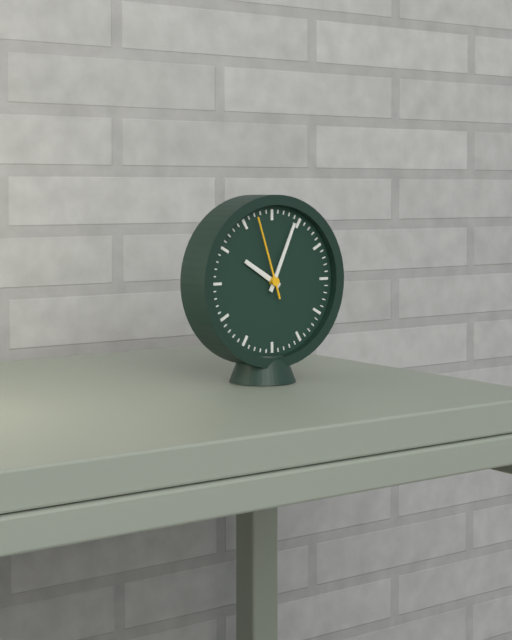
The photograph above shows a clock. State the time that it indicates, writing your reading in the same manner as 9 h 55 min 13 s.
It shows 10 h 04 min 57 s
